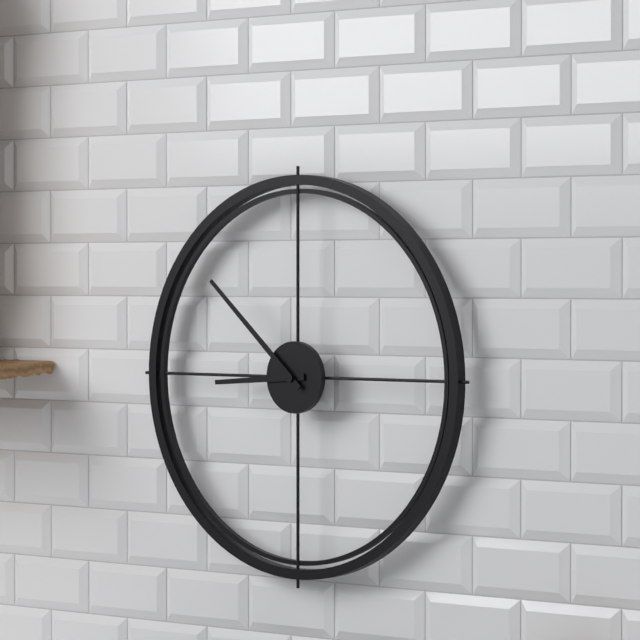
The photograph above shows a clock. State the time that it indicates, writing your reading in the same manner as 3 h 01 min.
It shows 8 h 52 min
